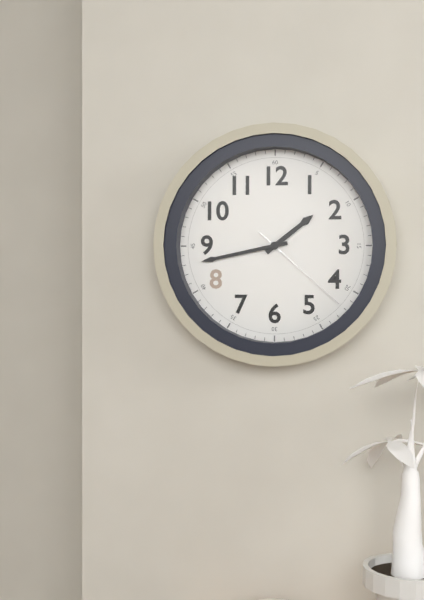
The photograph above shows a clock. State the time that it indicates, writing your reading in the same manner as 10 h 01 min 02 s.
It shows 1 h 43 min 22 s
